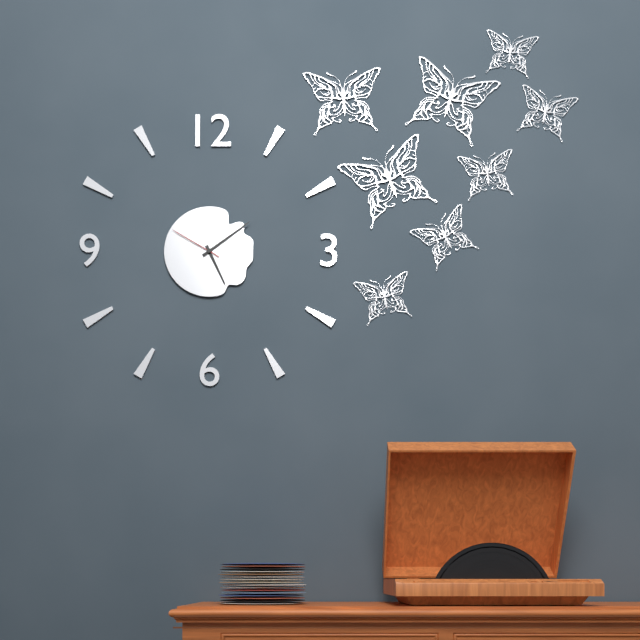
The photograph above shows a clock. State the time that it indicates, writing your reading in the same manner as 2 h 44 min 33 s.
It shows 5 h 09 min 50 s
